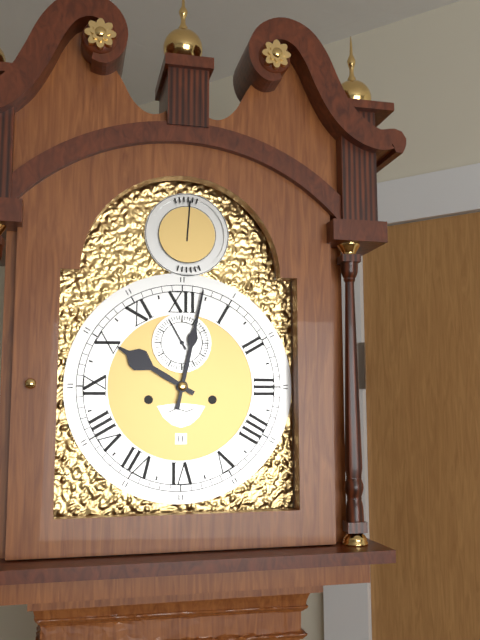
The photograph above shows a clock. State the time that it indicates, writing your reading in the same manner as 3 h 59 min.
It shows 10 h 02 min
